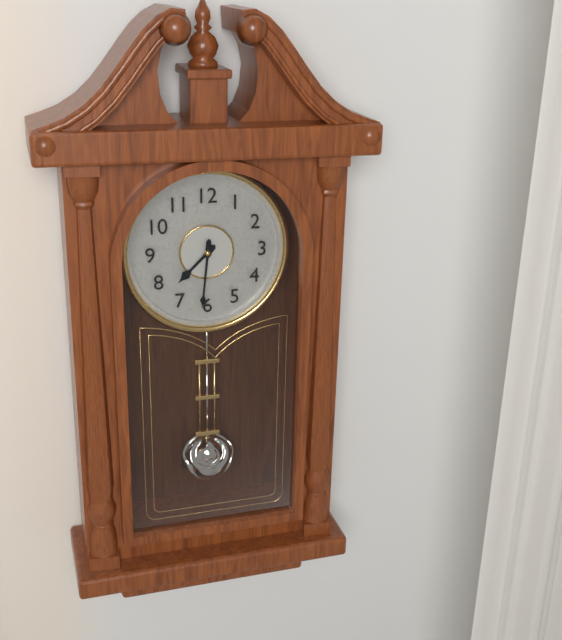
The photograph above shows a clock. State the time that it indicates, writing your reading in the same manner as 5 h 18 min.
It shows 7 h 31 min
